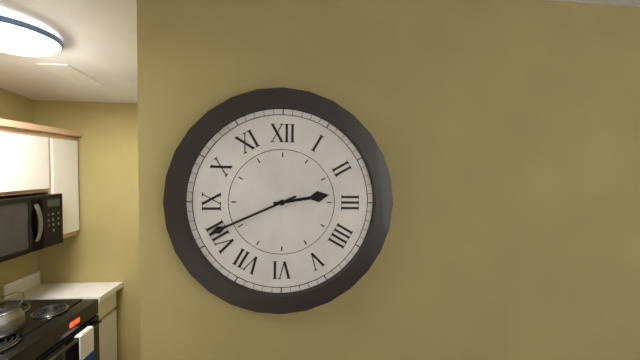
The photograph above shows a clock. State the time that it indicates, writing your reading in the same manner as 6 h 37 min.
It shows 2 h 41 min
